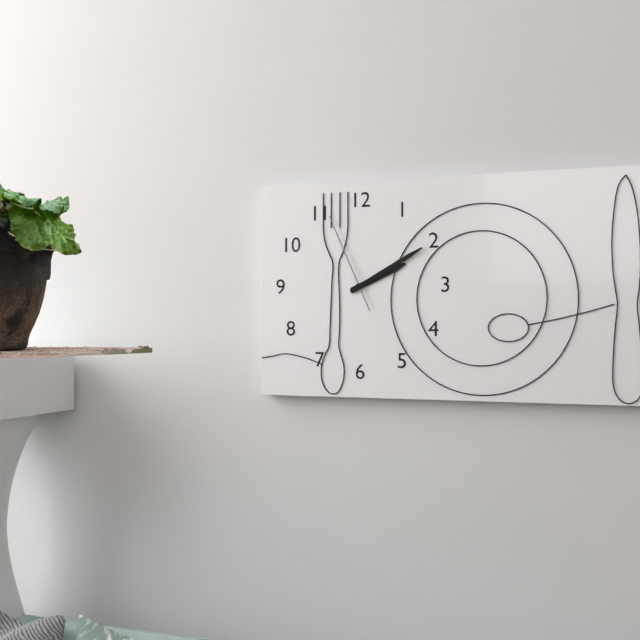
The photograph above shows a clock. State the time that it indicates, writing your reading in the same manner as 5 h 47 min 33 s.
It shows 2 h 10 min 56 s
